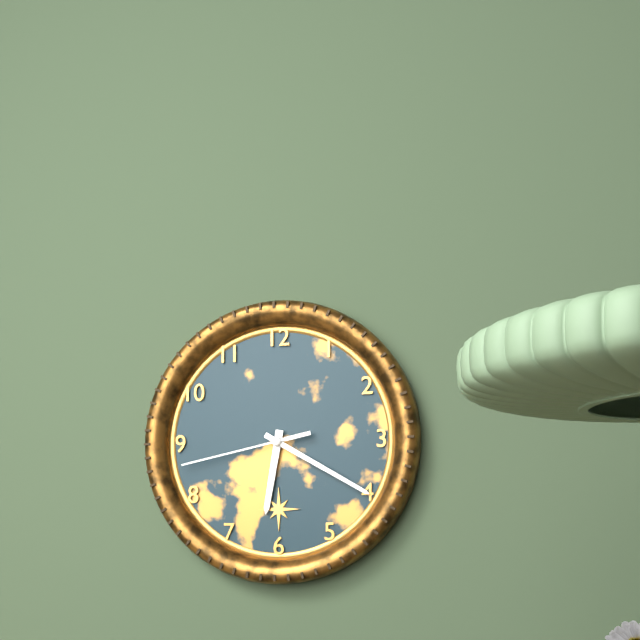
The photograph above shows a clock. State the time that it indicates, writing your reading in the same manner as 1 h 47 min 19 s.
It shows 6 h 20 min 43 s
